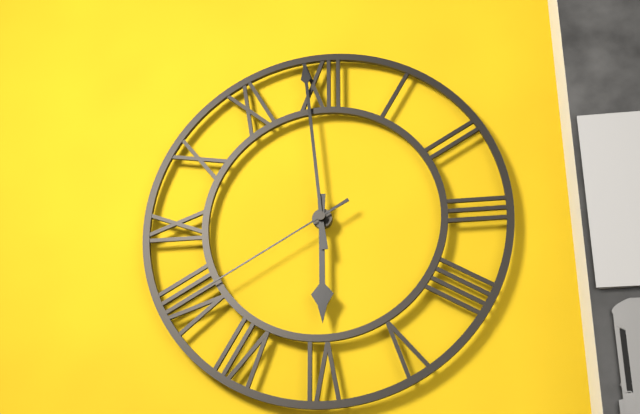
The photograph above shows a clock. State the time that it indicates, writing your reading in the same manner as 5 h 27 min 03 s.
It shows 5 h 59 min 40 s
